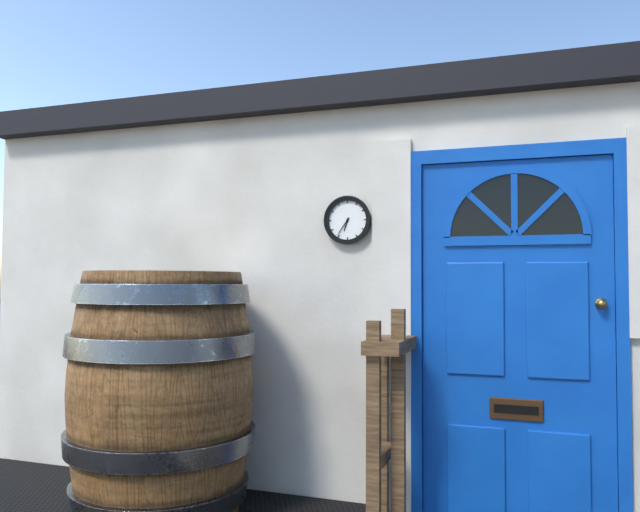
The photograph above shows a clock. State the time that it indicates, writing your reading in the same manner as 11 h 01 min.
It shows 6 h 36 min
